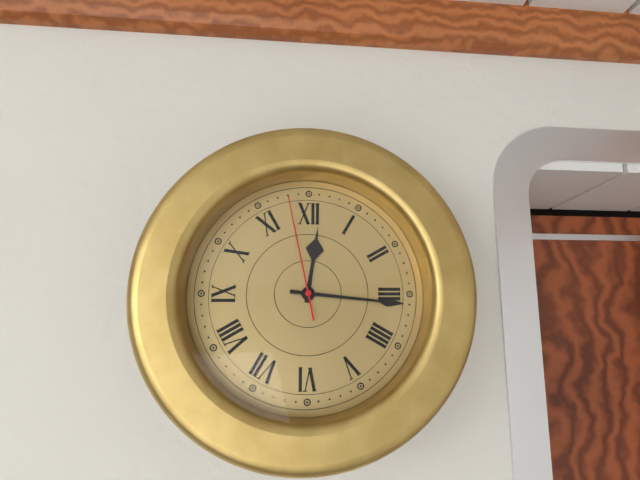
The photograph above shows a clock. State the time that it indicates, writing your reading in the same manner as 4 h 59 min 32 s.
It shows 12 h 16 min 58 s
